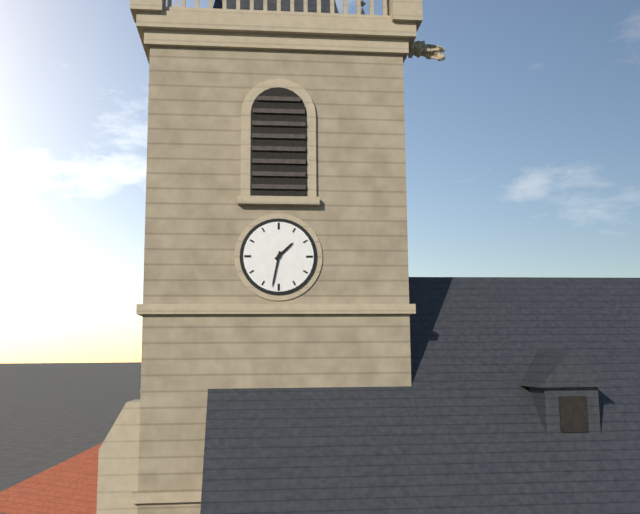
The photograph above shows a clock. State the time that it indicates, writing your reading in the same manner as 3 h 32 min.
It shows 1 h 32 min
